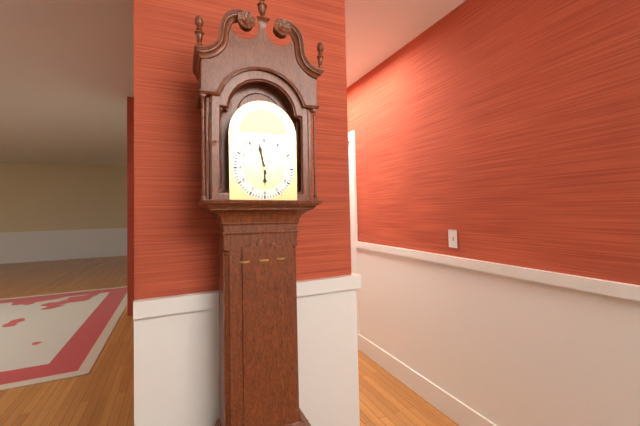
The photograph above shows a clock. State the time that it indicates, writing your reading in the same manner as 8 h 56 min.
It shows 5 h 58 min
